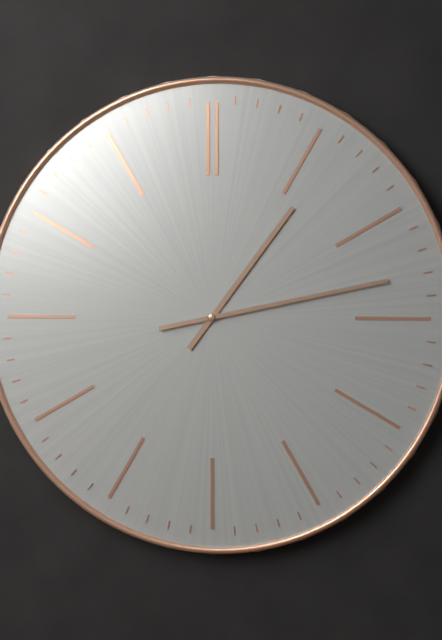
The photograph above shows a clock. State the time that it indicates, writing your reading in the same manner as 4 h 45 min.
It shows 1 h 13 min
